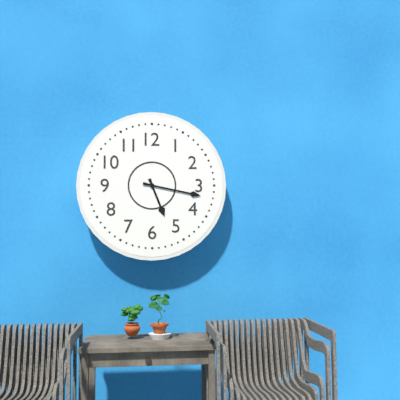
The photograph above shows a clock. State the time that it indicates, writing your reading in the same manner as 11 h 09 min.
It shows 5 h 17 min
